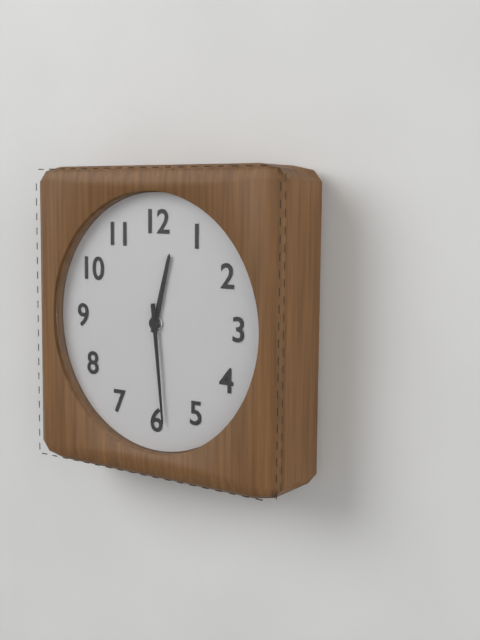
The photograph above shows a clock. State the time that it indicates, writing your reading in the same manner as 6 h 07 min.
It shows 12 h 29 min
